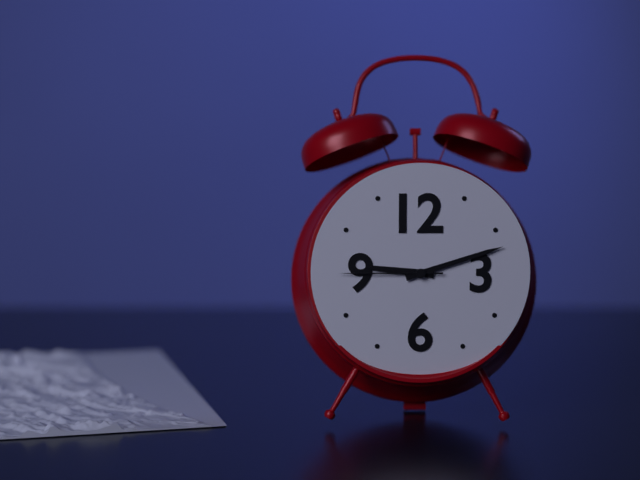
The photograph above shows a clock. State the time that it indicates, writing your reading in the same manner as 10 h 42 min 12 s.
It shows 9 h 12 min 45 s
